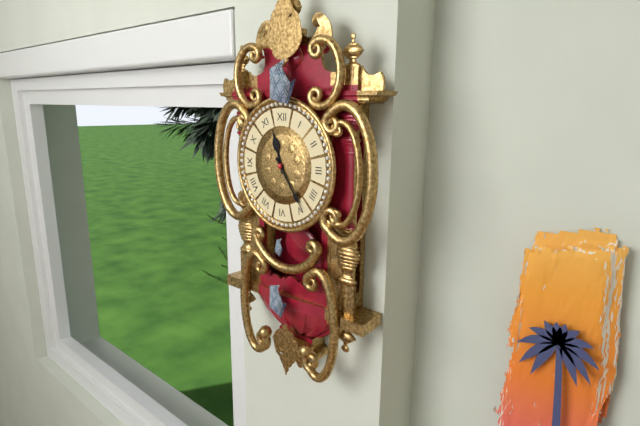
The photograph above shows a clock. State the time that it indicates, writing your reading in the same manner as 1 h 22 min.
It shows 11 h 24 min
